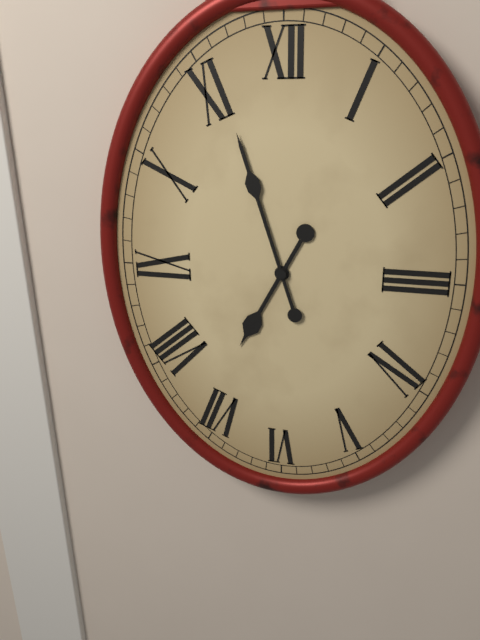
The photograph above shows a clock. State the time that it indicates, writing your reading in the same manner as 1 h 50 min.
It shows 6 h 57 min
